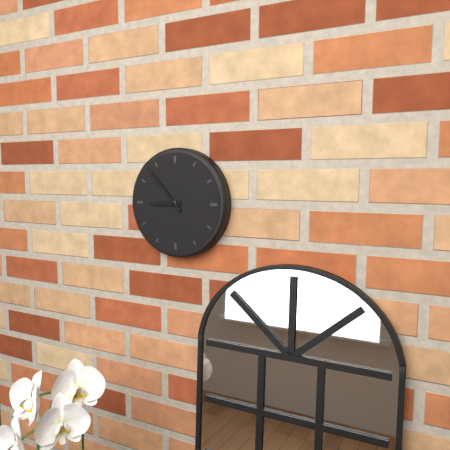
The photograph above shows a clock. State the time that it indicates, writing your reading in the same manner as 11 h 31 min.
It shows 8 h 53 min
